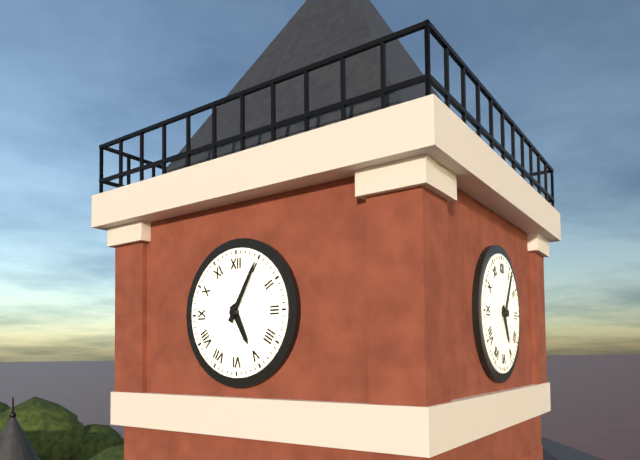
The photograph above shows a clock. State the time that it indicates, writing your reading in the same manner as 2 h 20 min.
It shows 5 h 05 min
